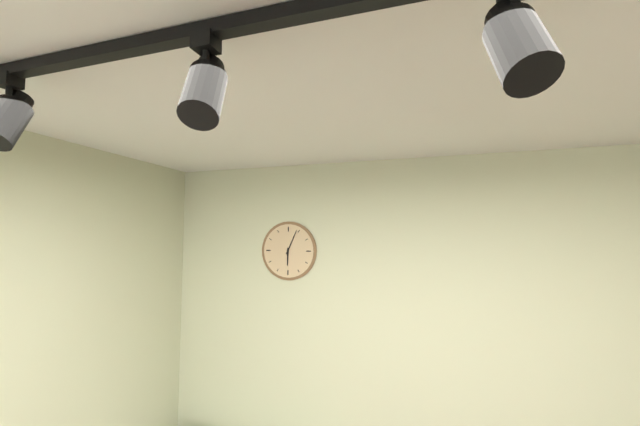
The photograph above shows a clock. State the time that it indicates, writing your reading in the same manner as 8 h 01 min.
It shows 6 h 04 min
